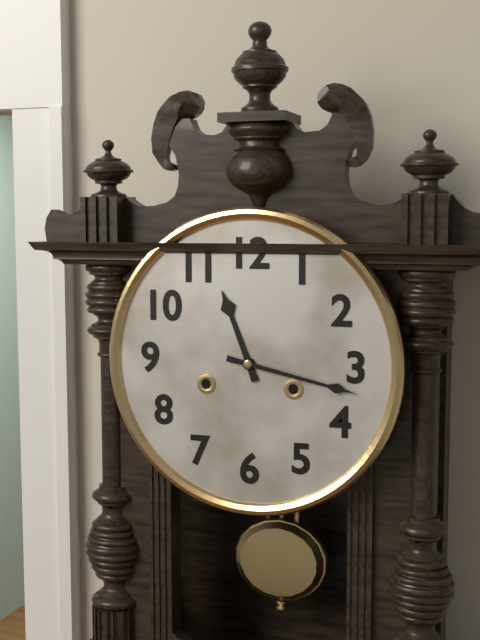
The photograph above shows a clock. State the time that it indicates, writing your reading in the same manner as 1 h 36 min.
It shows 11 h 17 min
